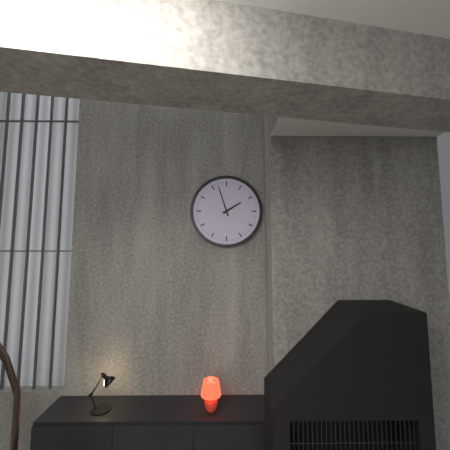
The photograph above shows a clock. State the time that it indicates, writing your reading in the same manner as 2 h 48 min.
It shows 1 h 57 min
